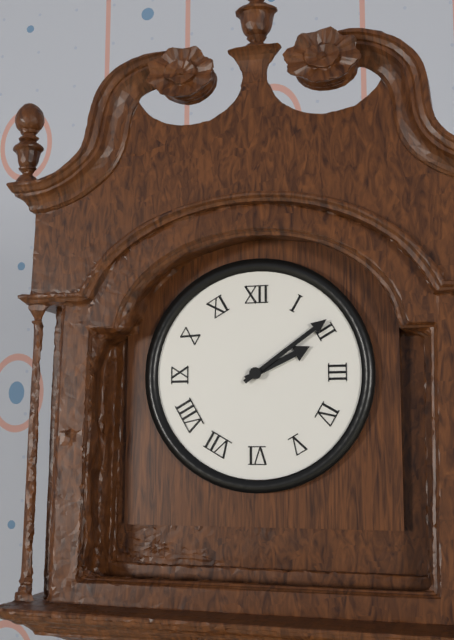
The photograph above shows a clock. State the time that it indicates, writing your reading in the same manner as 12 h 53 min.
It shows 2 h 09 min
